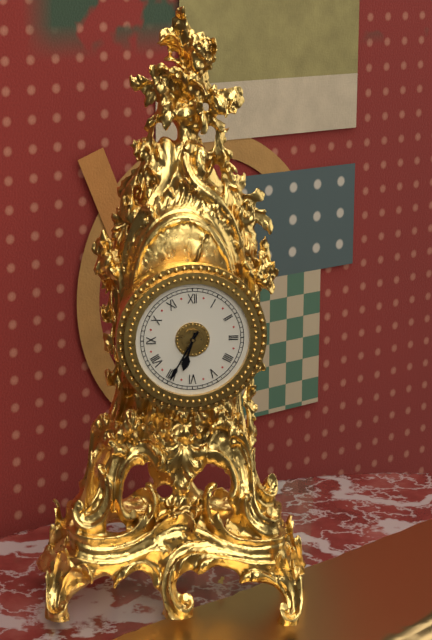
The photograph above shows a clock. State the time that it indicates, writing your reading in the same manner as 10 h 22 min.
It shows 6 h 35 min
